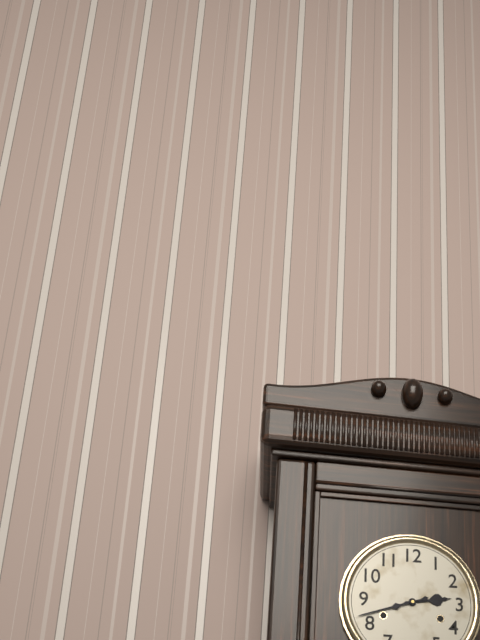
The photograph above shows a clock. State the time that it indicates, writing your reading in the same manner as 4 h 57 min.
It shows 2 h 42 min
